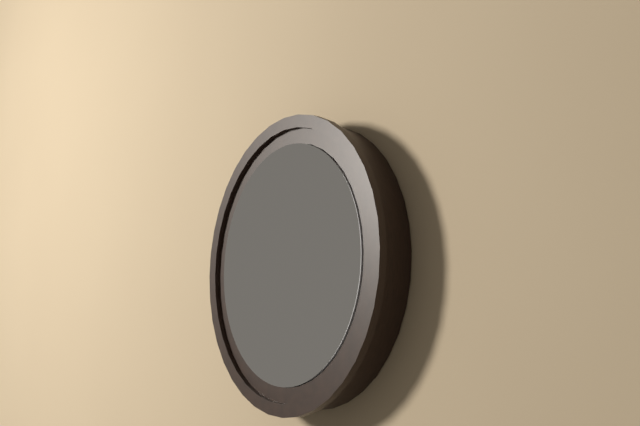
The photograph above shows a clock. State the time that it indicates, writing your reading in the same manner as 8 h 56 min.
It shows 10 h 25 min
